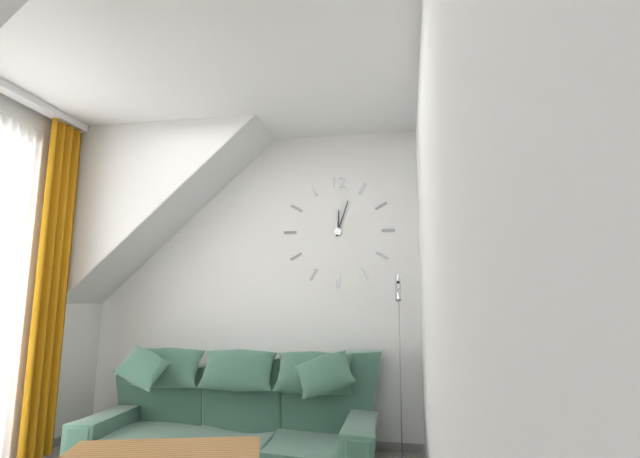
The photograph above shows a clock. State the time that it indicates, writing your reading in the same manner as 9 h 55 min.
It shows 12 h 03 min
